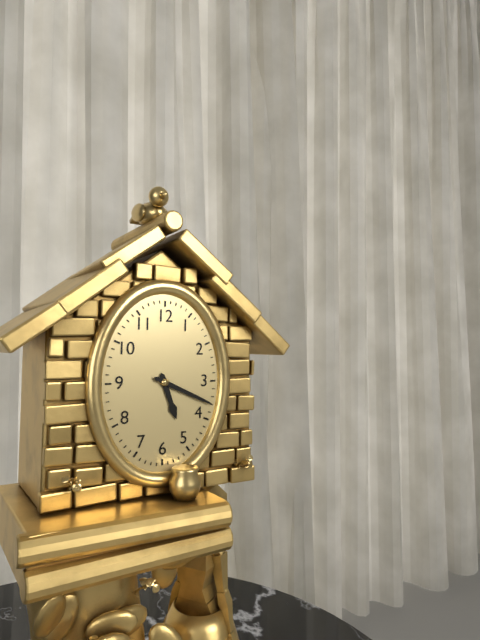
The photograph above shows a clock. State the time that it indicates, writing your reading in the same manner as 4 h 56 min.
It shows 5 h 19 min
